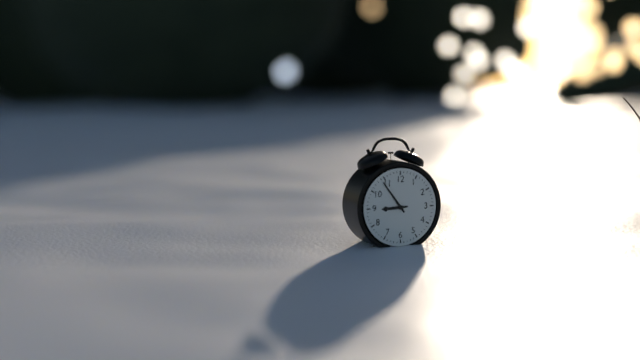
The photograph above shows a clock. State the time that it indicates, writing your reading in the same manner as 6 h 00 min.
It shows 8 h 54 min
